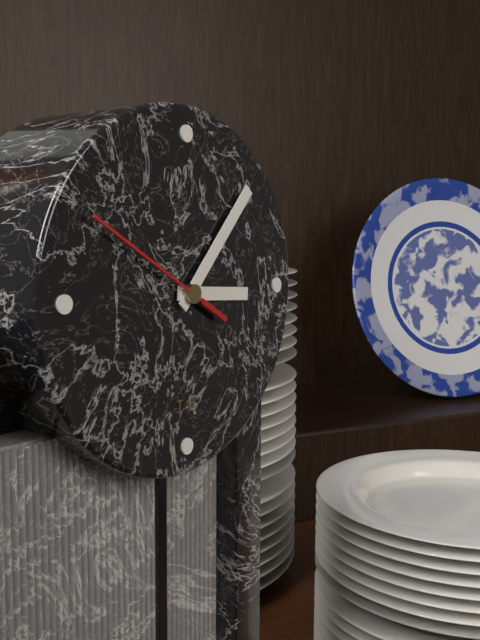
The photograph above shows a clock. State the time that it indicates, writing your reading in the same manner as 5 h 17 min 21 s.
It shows 3 h 07 min 50 s
